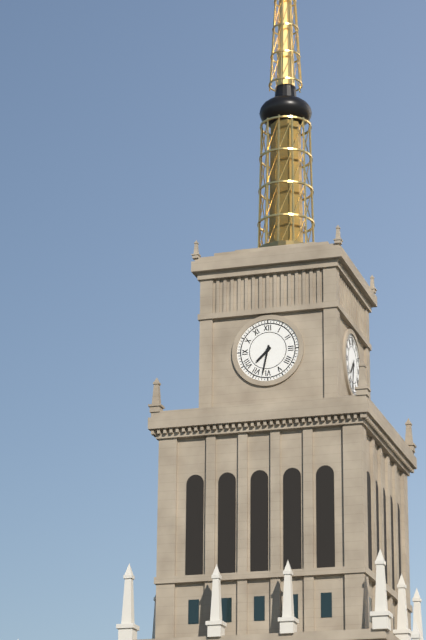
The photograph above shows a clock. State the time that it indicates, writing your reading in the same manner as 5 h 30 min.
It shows 7 h 32 min
